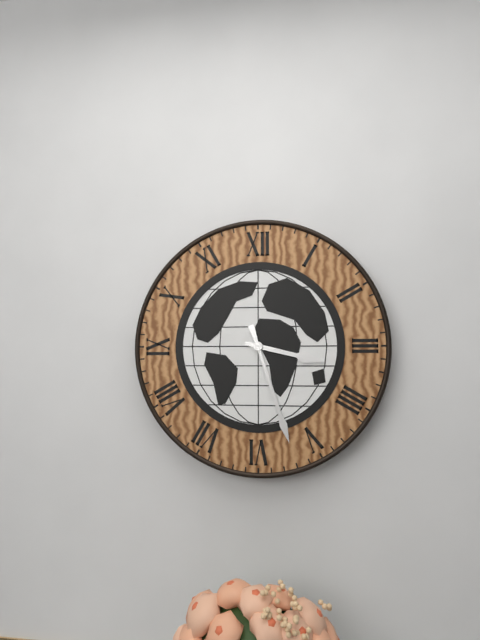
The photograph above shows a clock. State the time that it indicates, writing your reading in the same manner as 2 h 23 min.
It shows 3 h 27 min
